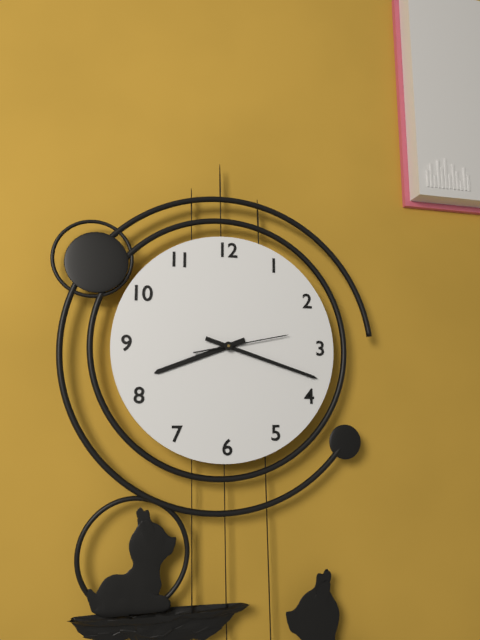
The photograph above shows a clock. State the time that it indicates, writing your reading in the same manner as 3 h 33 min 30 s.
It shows 8 h 18 min 13 s
